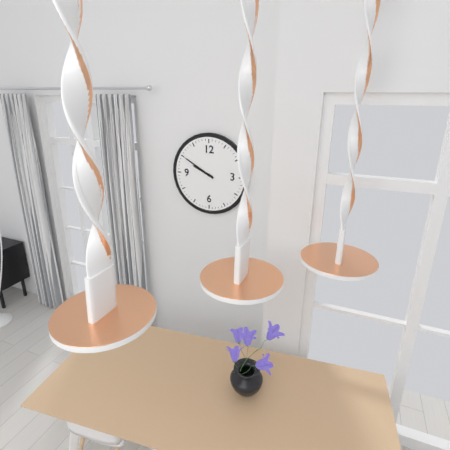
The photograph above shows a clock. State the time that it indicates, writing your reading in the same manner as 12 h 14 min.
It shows 9 h 50 min
